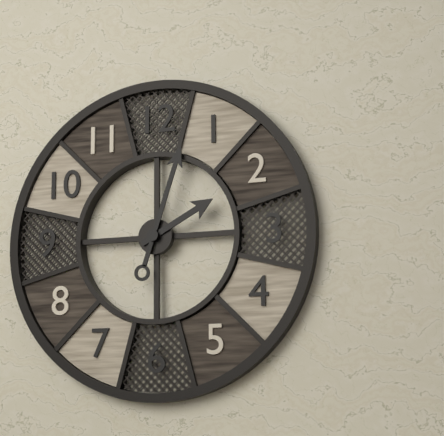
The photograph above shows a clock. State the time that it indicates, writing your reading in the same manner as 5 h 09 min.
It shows 2 h 03 min
